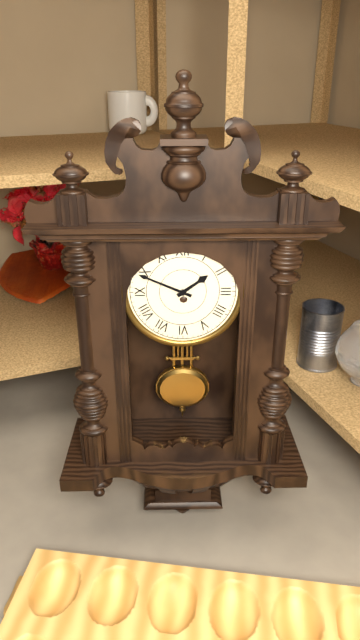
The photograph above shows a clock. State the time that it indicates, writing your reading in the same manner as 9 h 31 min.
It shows 1 h 49 min
